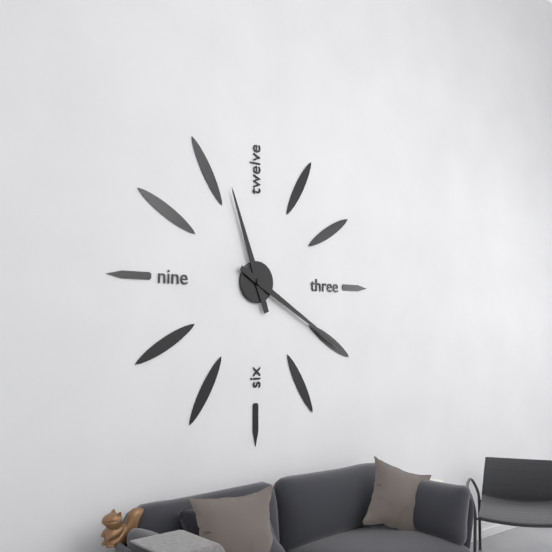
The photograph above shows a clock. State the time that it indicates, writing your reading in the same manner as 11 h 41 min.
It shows 11 h 20 min
